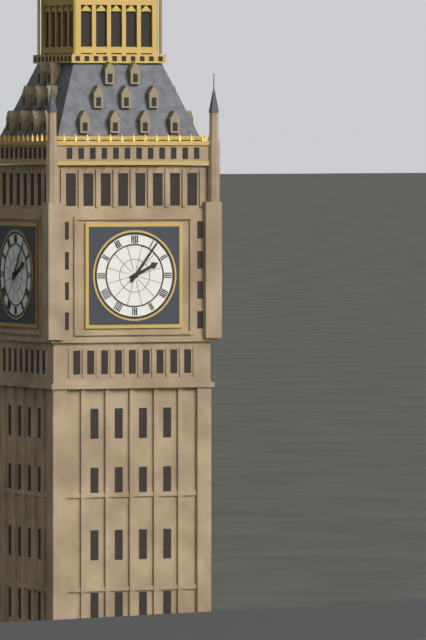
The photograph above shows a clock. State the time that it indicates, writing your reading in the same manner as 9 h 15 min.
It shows 2 h 06 min
